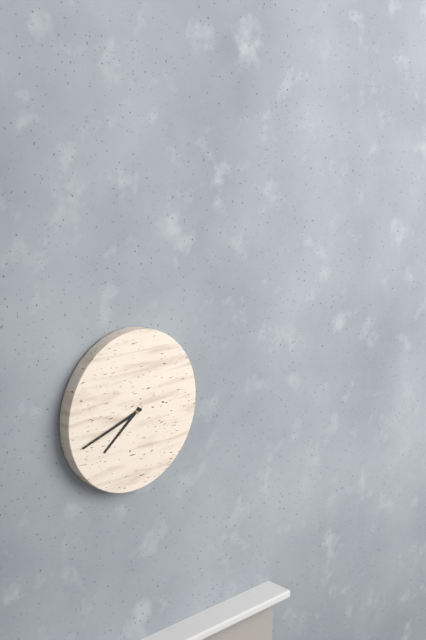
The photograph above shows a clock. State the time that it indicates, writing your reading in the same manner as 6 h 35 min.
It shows 7 h 42 min
